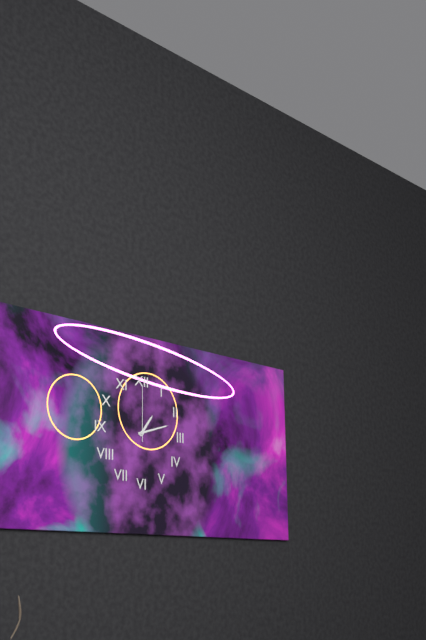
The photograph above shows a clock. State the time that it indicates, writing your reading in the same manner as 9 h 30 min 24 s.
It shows 1 h 12 min 00 s
